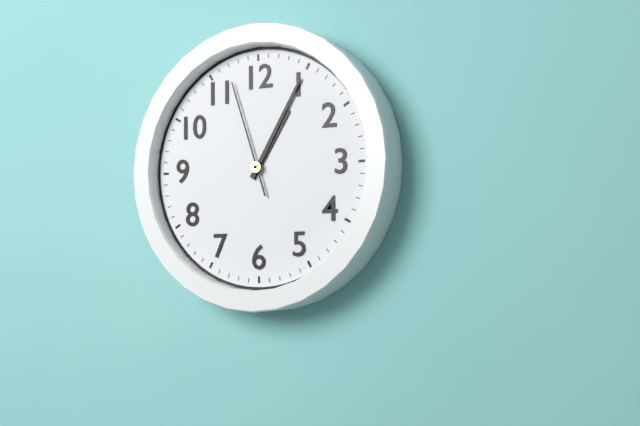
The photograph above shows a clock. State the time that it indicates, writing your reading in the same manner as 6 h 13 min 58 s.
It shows 1 h 05 min 57 s
